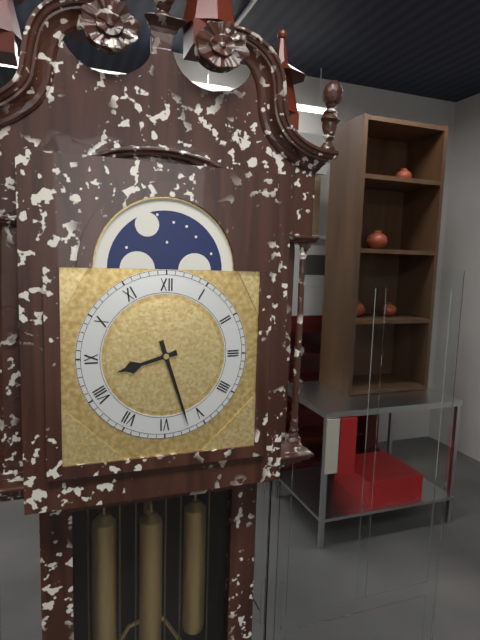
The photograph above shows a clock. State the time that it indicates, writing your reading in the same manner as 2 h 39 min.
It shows 8 h 27 min
